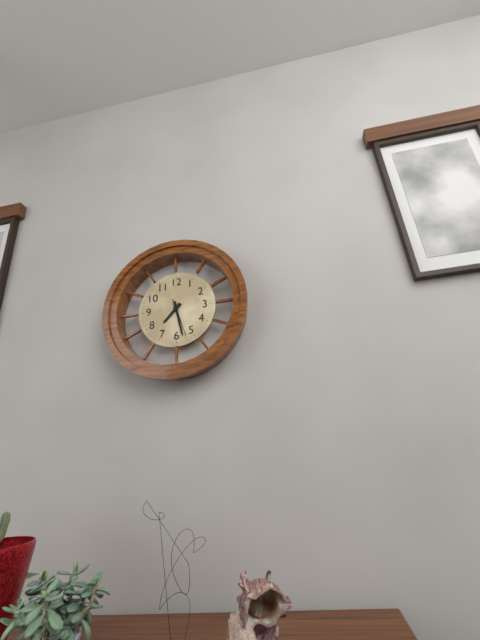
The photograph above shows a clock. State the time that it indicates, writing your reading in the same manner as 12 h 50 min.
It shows 7 h 28 min
